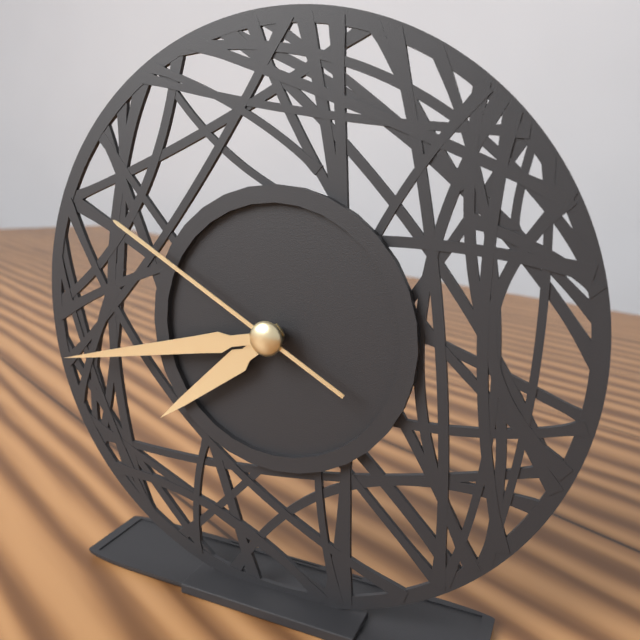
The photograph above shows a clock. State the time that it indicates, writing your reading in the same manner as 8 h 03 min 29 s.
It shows 7 h 43 min 50 s
